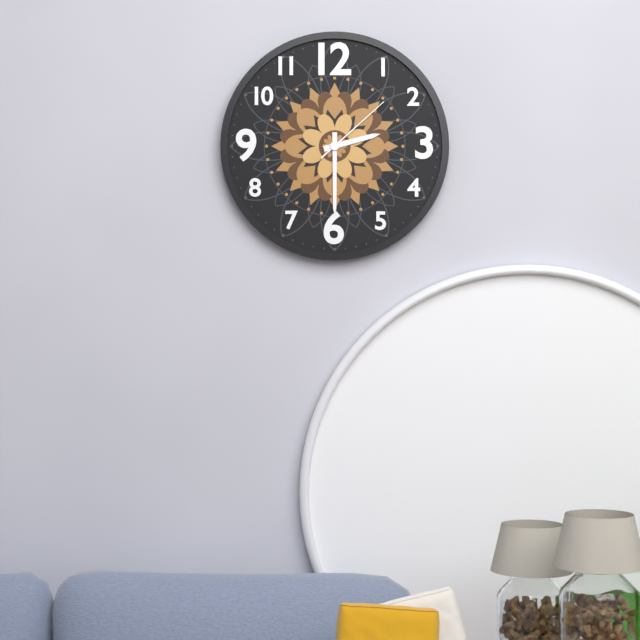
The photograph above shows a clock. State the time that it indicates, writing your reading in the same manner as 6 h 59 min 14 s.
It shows 2 h 30 min 08 s
